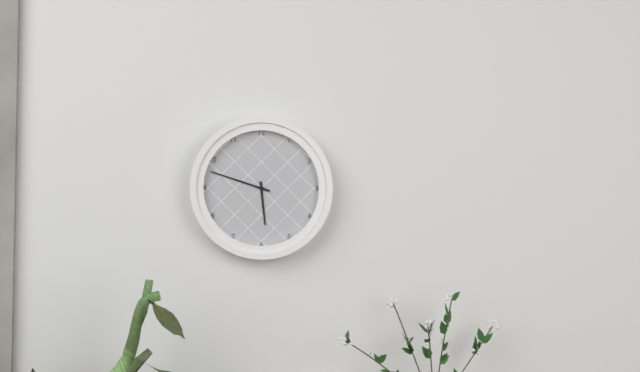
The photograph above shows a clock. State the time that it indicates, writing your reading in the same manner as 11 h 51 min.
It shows 5 h 48 min
